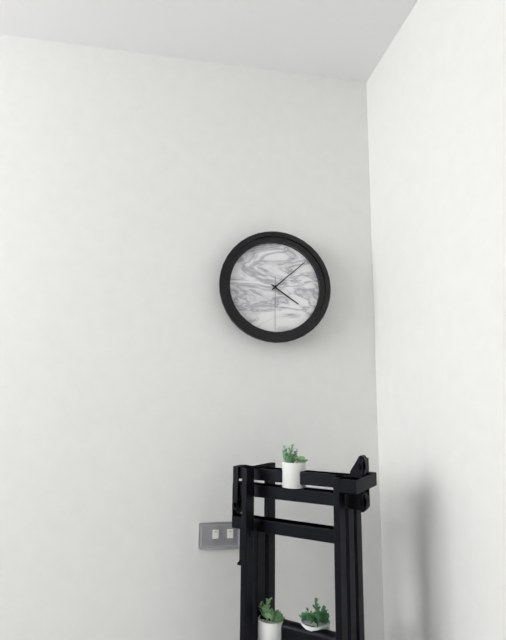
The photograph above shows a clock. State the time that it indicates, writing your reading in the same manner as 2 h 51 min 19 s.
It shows 4 h 08 min 30 s
